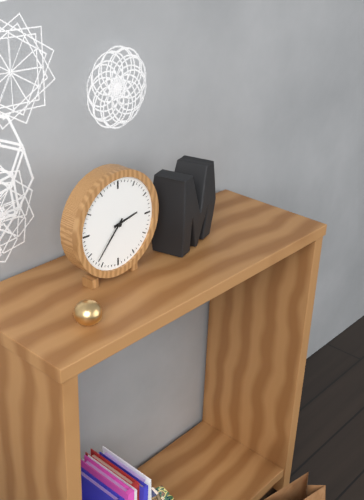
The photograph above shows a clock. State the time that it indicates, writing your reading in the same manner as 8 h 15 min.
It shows 2 h 37 min
